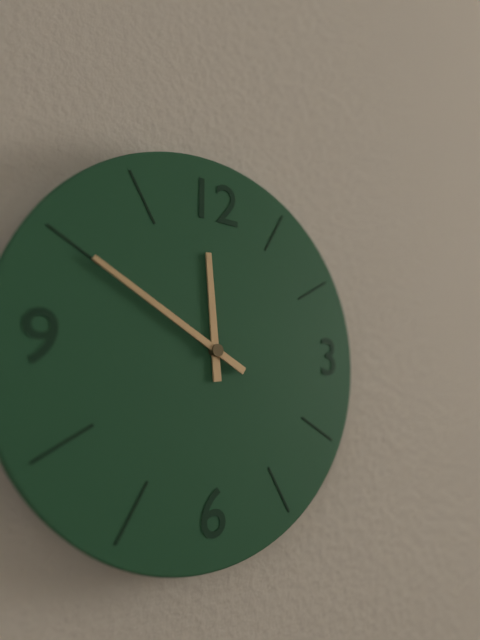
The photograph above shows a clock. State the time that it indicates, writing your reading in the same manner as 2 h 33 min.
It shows 11 h 50 min
